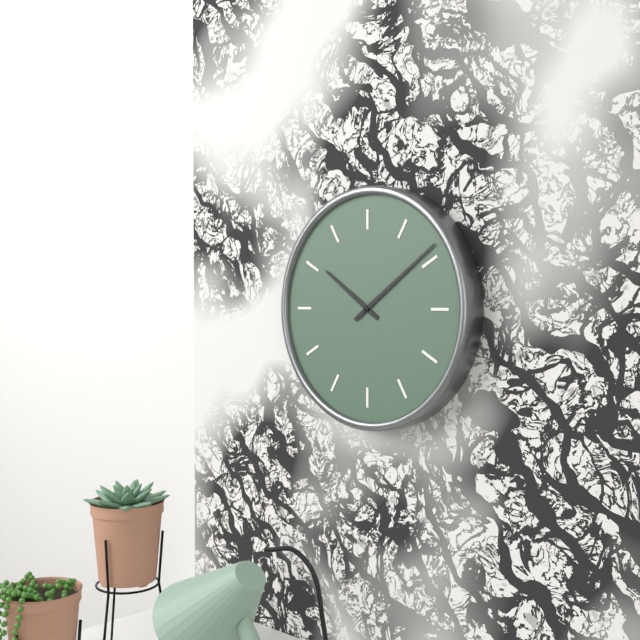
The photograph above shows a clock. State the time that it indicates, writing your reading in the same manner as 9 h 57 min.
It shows 10 h 09 min
